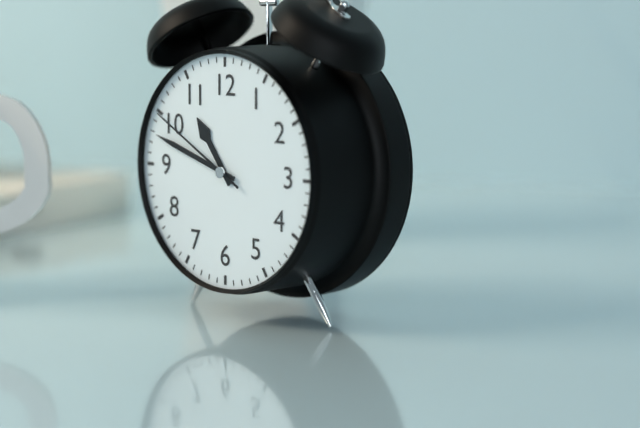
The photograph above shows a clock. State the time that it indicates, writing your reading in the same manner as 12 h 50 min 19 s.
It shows 10 h 48 min 50 s
